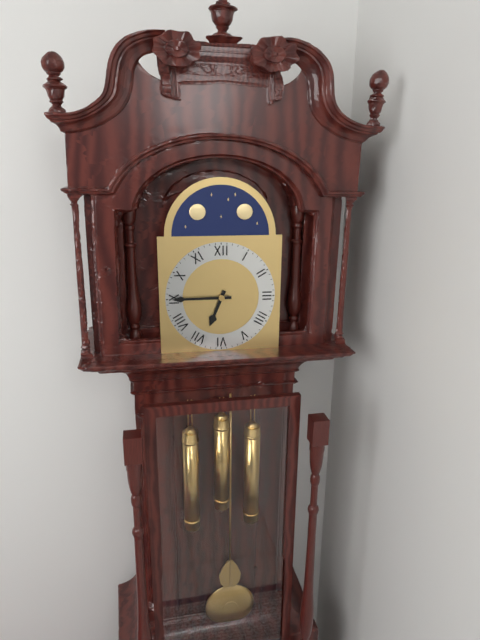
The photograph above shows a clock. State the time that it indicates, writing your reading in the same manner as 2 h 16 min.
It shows 6 h 45 min
